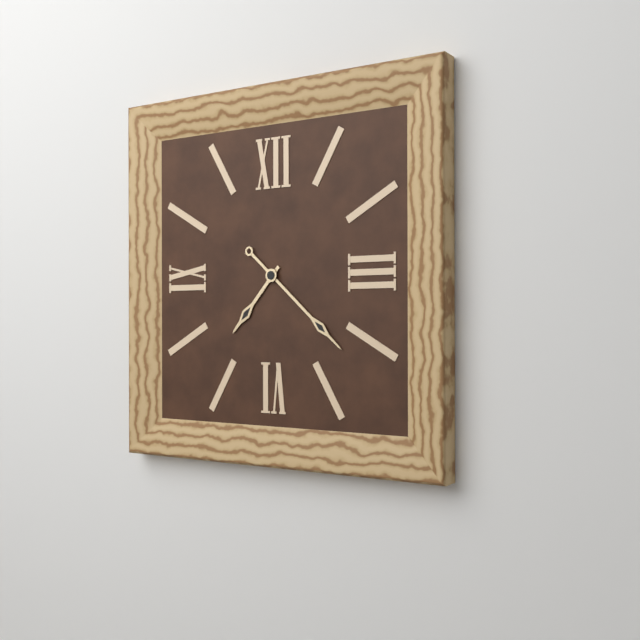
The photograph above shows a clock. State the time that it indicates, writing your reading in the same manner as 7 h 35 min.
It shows 7 h 22 min
